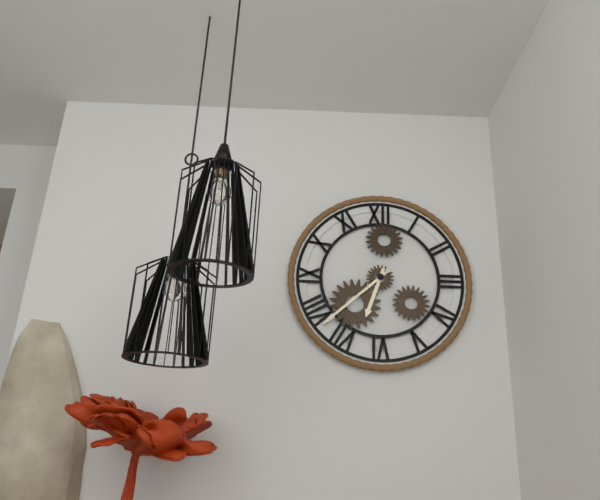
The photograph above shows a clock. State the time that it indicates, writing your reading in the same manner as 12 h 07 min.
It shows 6 h 38 min
